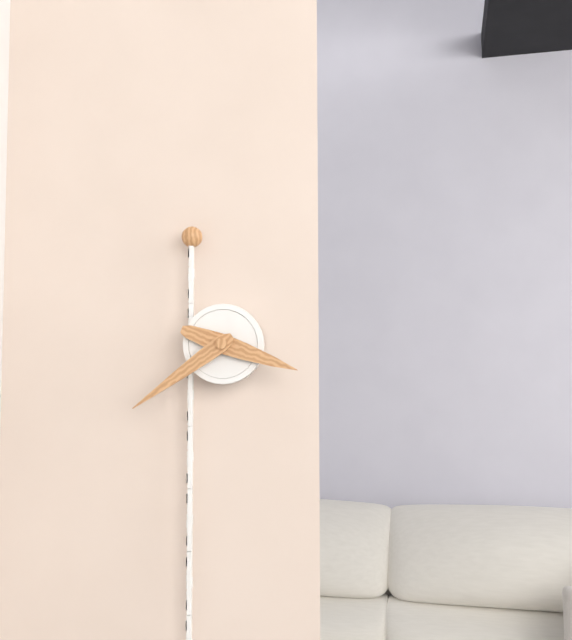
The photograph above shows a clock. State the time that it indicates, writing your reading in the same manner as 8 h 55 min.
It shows 3 h 39 min
